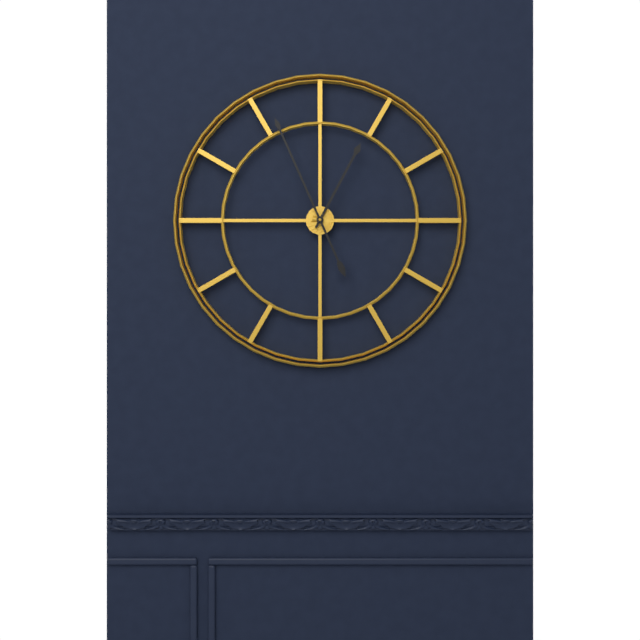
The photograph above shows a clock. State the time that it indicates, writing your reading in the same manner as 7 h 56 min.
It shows 12 h 56 min
